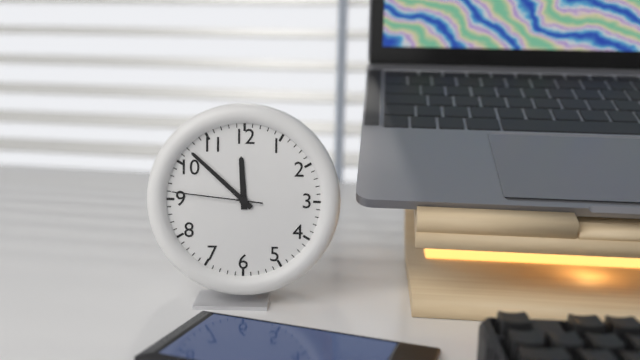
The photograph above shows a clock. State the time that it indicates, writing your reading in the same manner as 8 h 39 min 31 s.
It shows 11 h 52 min 46 s
